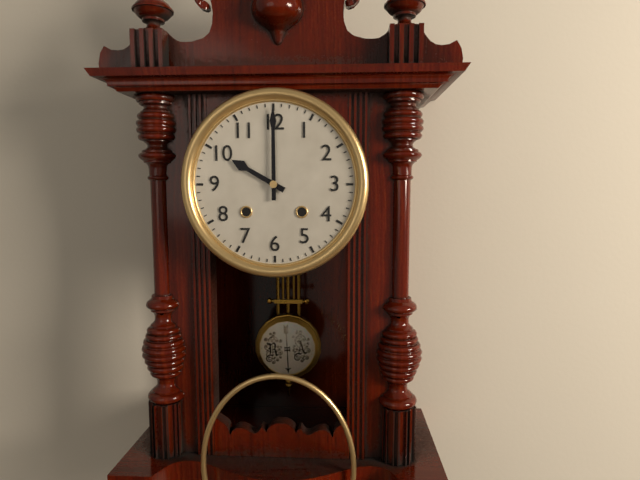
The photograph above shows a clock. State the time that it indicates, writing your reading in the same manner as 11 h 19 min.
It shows 10 h 00 min
